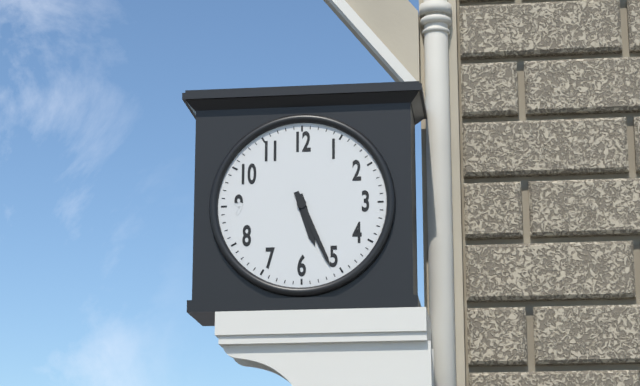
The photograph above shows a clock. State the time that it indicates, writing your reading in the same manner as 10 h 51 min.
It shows 5 h 26 min
